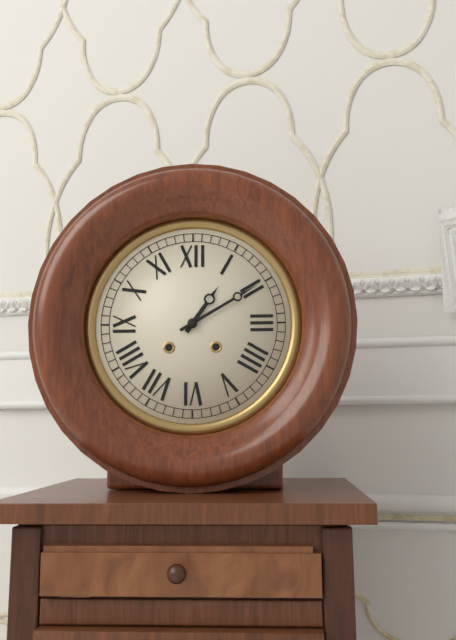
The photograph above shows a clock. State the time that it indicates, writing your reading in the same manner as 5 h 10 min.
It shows 1 h 10 min
